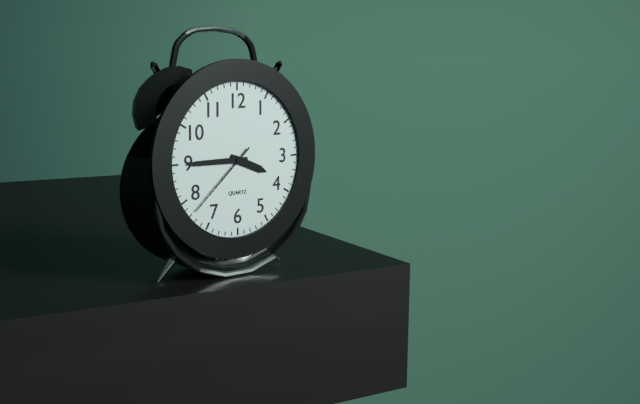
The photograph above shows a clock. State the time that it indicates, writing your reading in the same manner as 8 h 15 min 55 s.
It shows 3 h 45 min 38 s
